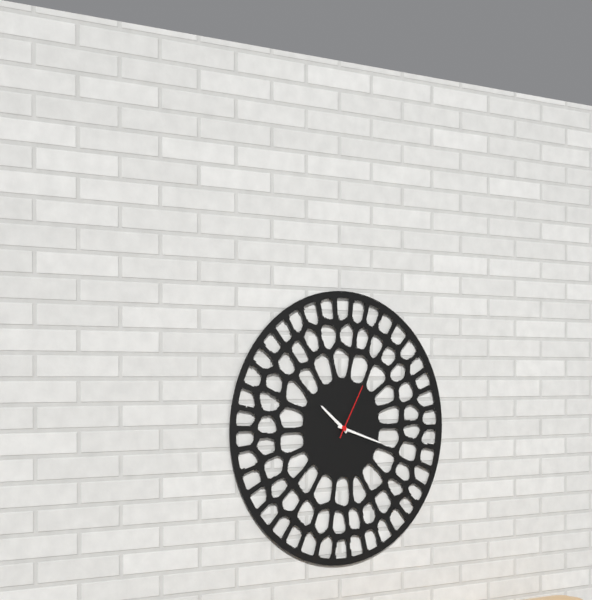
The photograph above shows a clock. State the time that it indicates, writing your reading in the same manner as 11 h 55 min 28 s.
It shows 10 h 18 min 05 s
